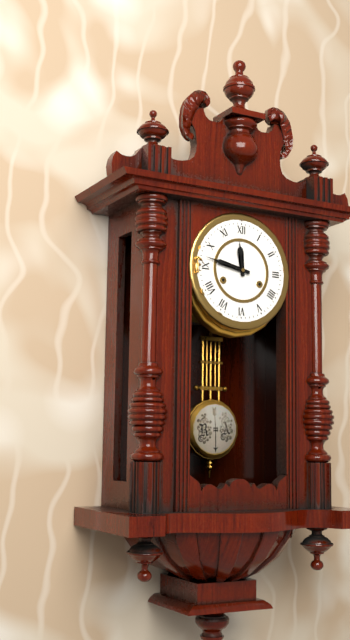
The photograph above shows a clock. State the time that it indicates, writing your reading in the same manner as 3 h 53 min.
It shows 11 h 47 min
